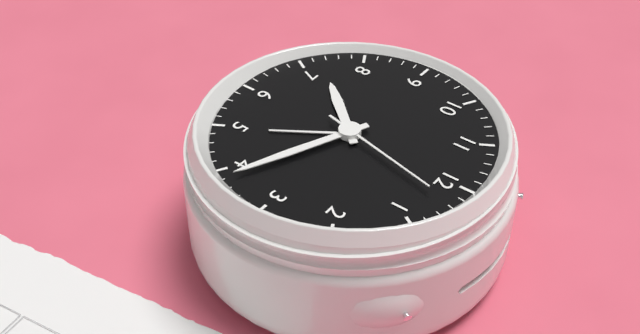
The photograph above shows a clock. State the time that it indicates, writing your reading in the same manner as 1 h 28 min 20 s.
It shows 7 h 19 min 02 s
